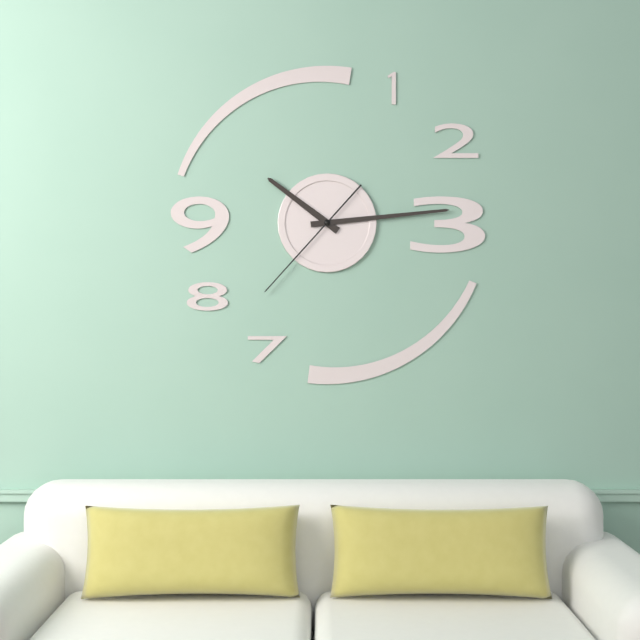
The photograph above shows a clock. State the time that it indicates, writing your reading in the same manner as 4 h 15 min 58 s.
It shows 10 h 14 min 37 s
